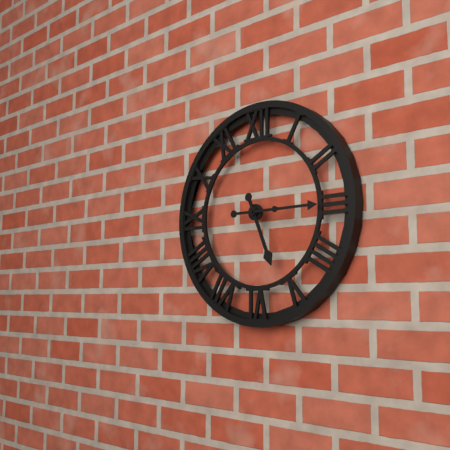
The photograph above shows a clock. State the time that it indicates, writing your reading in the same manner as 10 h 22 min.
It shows 5 h 15 min
